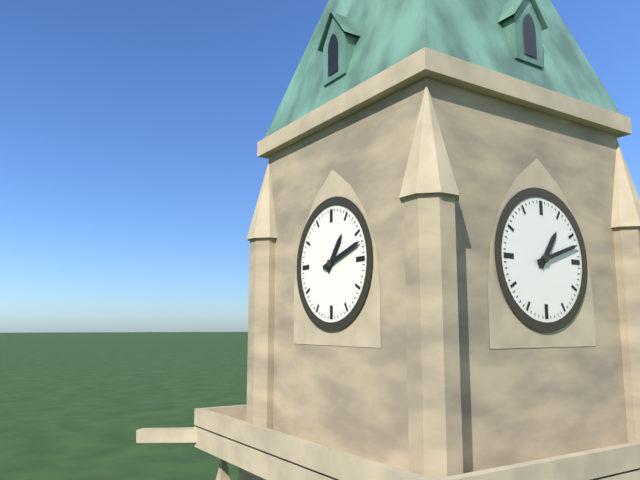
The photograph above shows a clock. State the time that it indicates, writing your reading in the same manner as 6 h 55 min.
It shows 1 h 12 min
